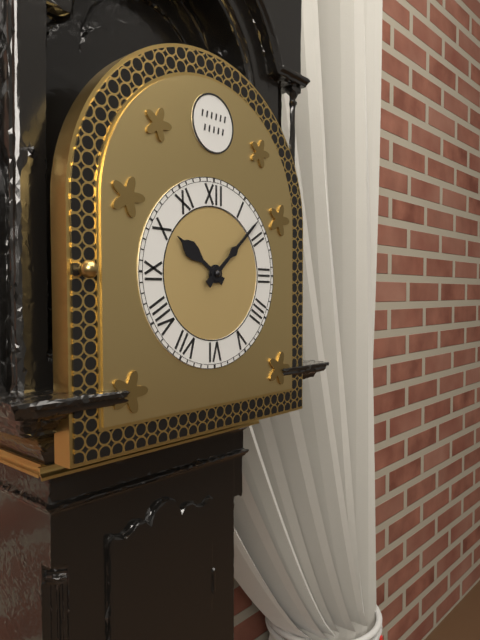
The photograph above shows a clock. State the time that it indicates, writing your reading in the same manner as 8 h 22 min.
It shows 10 h 08 min
